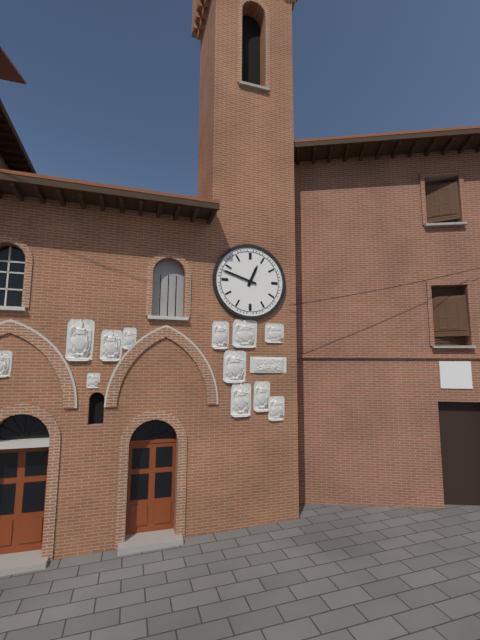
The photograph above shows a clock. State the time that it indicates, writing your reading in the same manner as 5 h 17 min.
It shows 12 h 48 min
